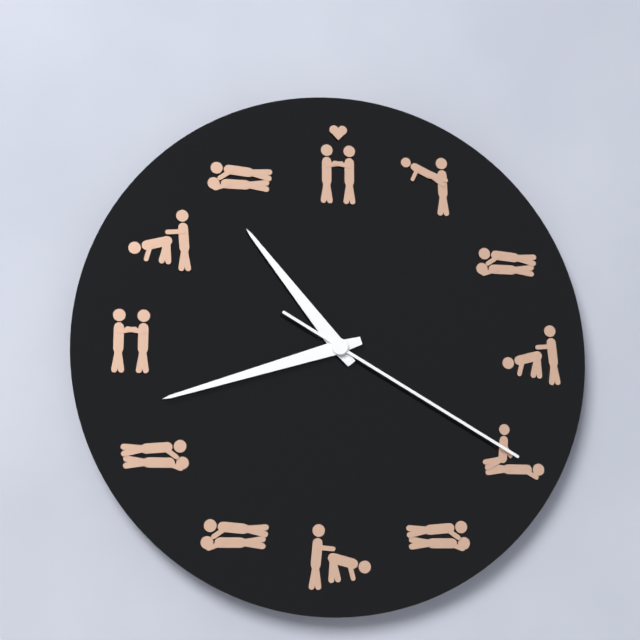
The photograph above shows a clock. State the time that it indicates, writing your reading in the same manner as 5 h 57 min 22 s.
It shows 10 h 42 min 20 s
